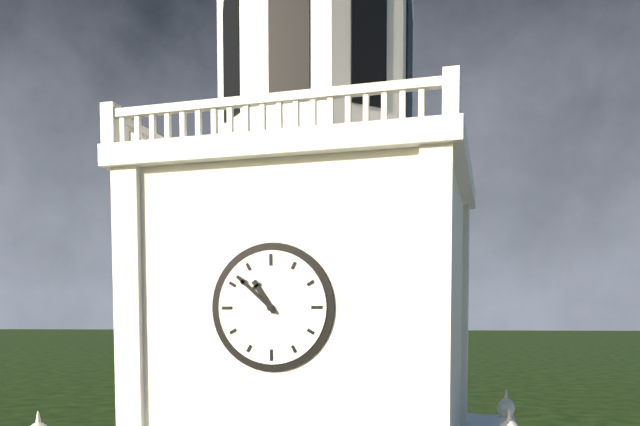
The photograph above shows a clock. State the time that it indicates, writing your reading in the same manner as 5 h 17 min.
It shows 10 h 52 min
